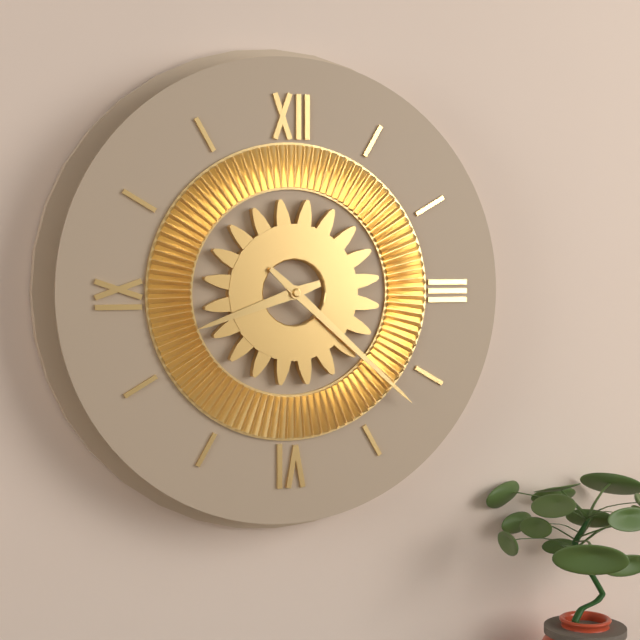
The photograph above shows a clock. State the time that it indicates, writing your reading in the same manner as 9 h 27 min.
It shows 8 h 22 min
